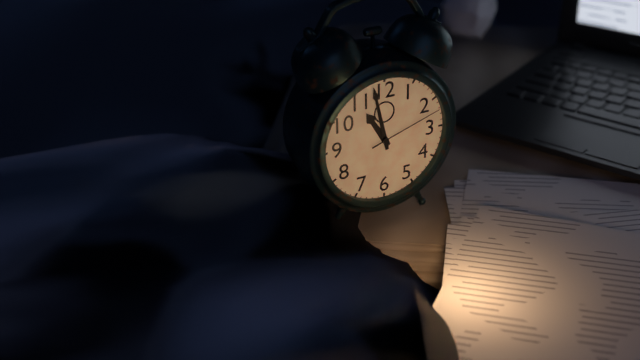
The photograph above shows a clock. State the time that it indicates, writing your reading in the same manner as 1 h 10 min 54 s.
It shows 10 h 58 min 12 s
